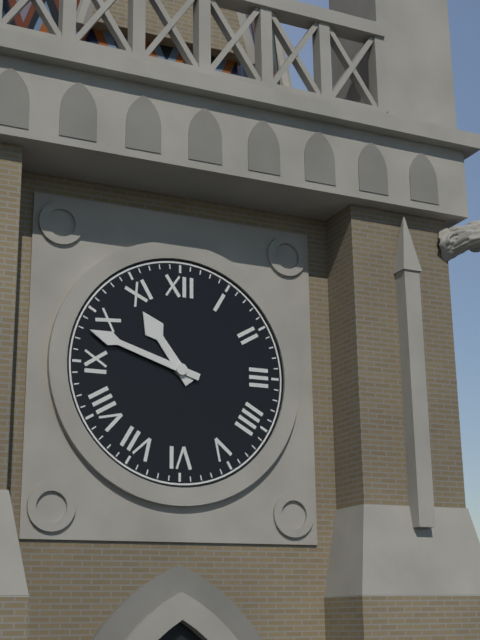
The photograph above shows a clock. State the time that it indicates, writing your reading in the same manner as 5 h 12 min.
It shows 10 h 48 min
